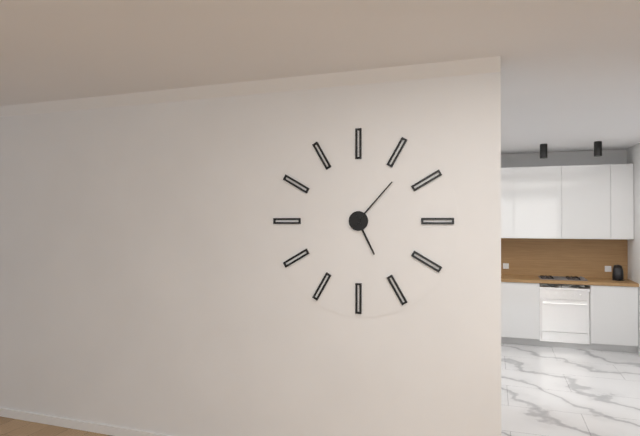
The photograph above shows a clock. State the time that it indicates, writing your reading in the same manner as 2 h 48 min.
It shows 5 h 07 min
